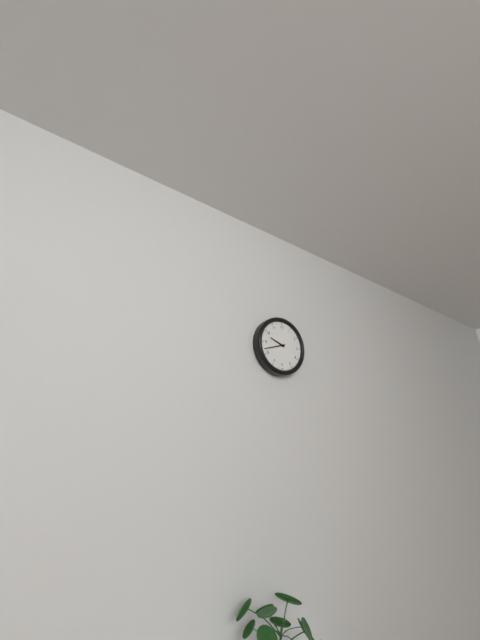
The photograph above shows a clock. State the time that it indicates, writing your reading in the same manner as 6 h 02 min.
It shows 9 h 42 min
